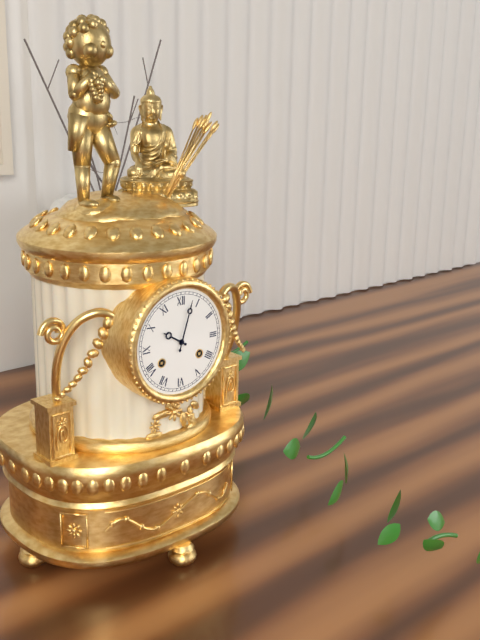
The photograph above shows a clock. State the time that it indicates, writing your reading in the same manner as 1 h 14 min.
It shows 10 h 03 min
